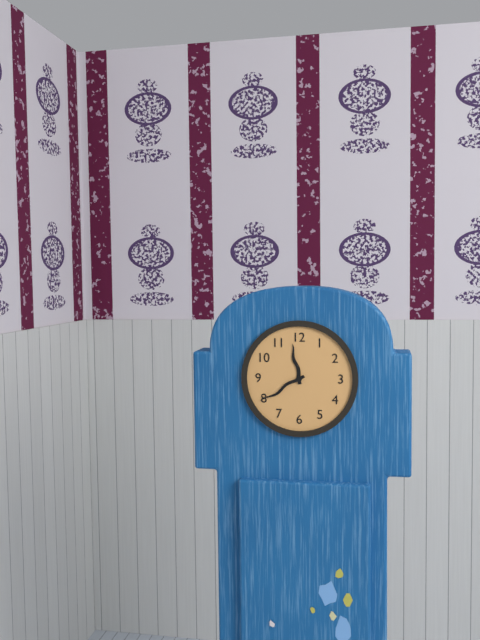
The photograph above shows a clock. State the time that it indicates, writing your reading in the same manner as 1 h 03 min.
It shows 11 h 40 min
